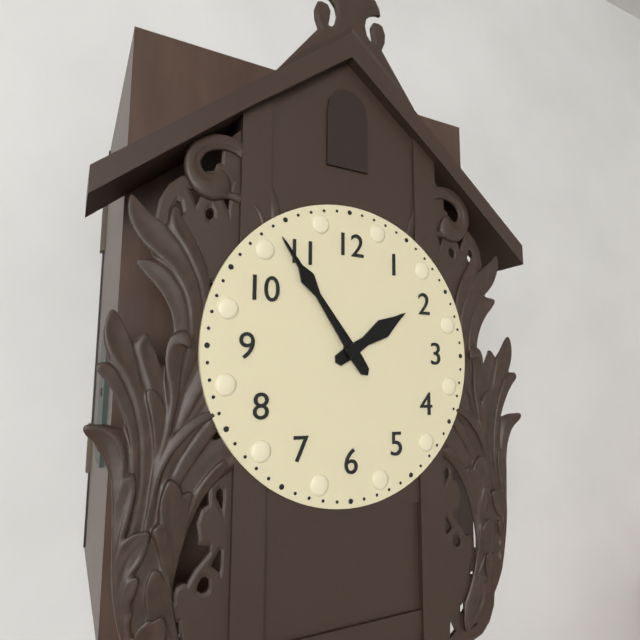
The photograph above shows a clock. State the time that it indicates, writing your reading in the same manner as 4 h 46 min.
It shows 1 h 54 min
